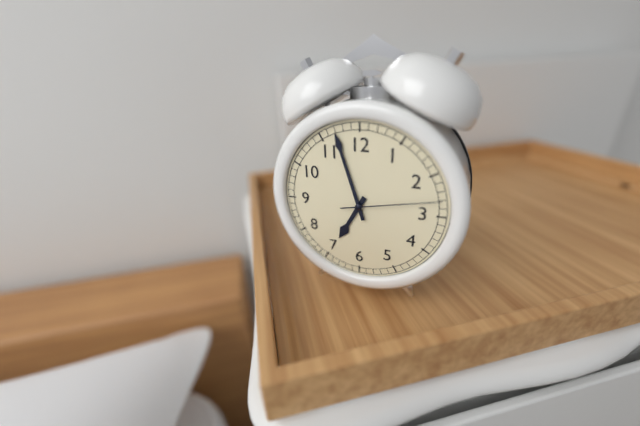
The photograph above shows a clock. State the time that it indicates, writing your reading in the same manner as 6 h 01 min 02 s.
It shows 6 h 57 min 13 s
